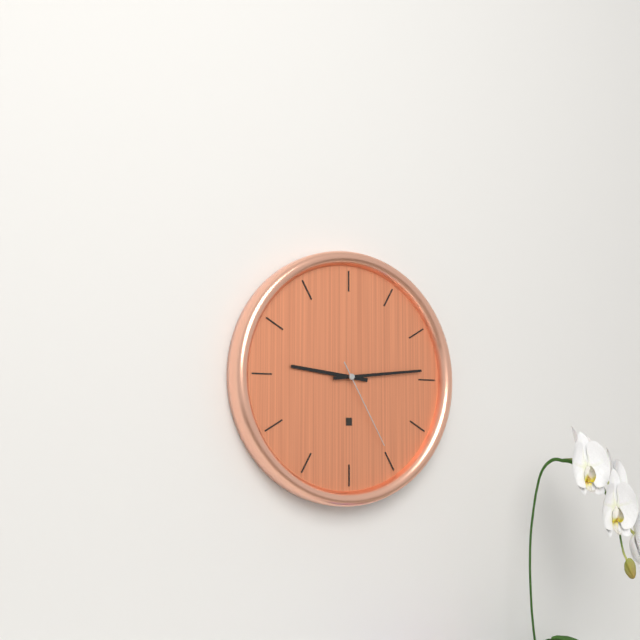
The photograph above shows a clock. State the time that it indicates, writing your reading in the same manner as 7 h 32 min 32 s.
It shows 9 h 14 min 25 s
